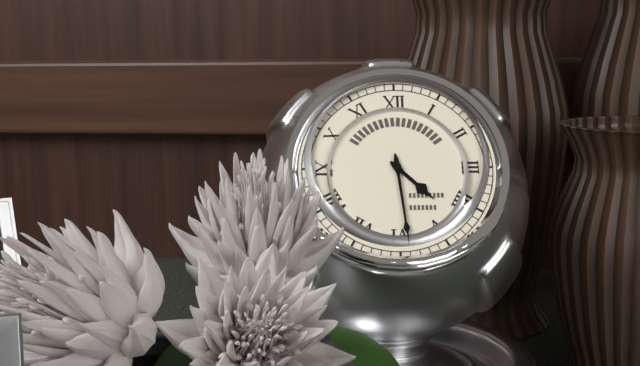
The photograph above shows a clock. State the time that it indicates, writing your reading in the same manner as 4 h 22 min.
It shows 4 h 29 min
